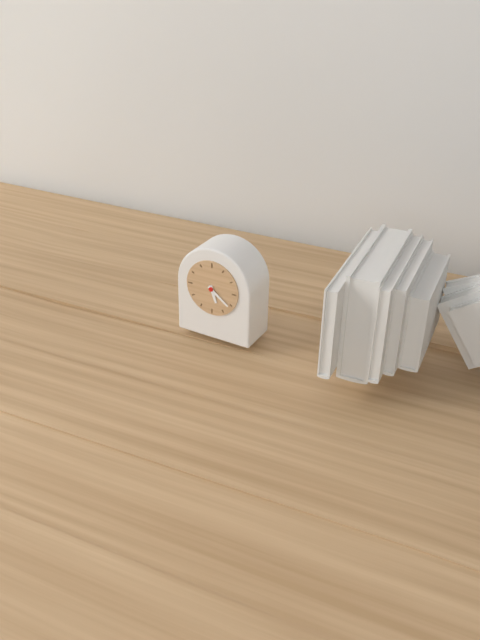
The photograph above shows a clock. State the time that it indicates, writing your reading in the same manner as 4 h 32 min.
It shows 5 h 21 min
